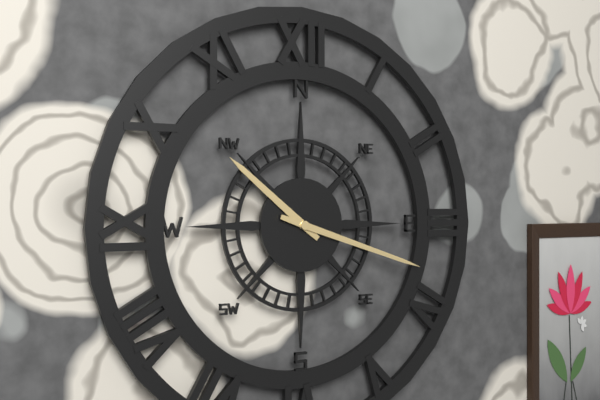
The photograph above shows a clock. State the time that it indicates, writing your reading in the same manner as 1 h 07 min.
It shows 10 h 18 min
